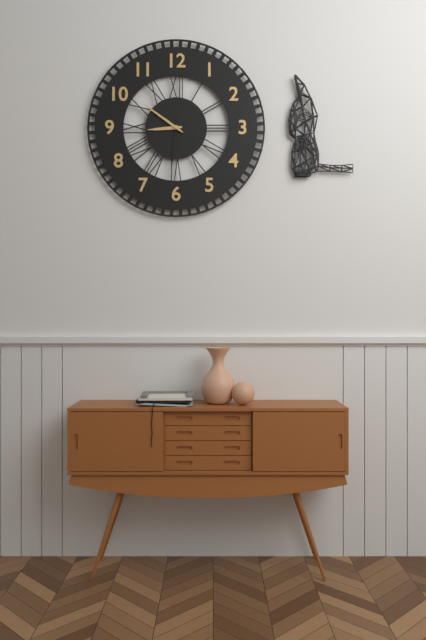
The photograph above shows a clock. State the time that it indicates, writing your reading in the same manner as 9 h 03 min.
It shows 8 h 51 min
